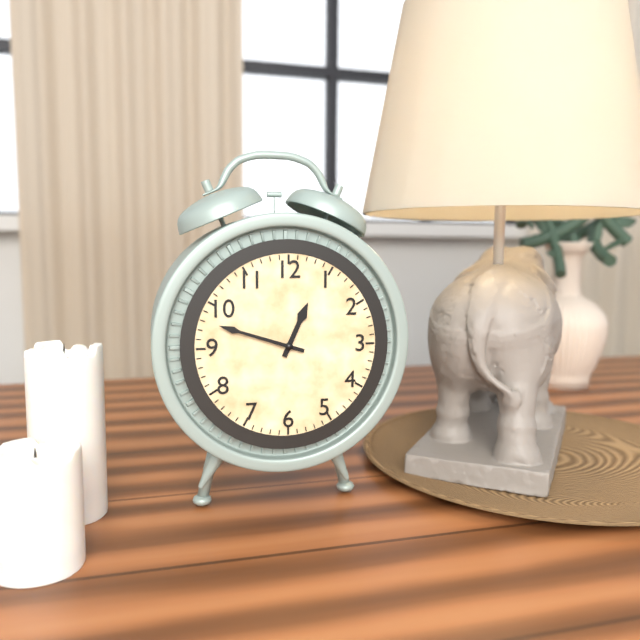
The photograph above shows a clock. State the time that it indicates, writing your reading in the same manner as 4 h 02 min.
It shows 12 h 48 min
